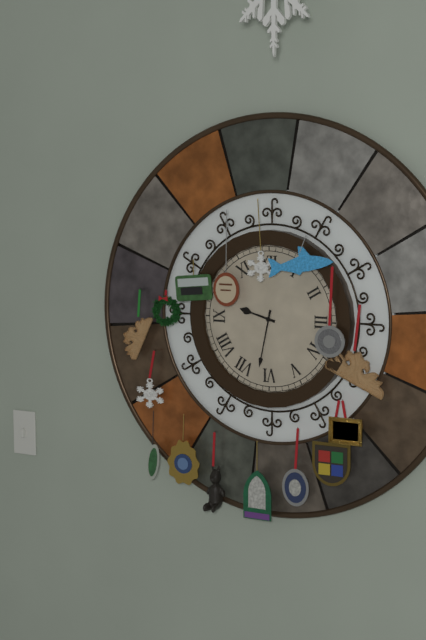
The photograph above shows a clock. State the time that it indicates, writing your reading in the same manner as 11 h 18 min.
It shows 9 h 32 min
